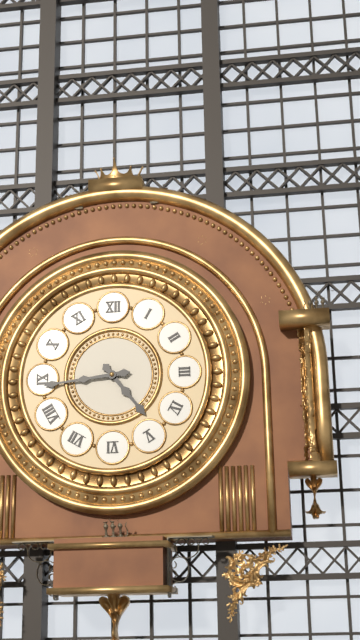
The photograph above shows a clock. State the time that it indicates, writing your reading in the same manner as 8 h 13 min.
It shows 4 h 44 min
